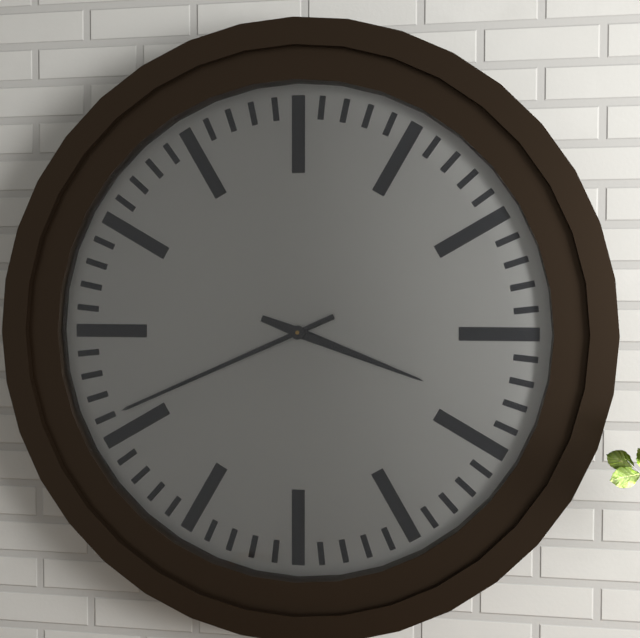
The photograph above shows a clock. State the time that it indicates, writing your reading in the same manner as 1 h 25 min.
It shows 3 h 41 min
